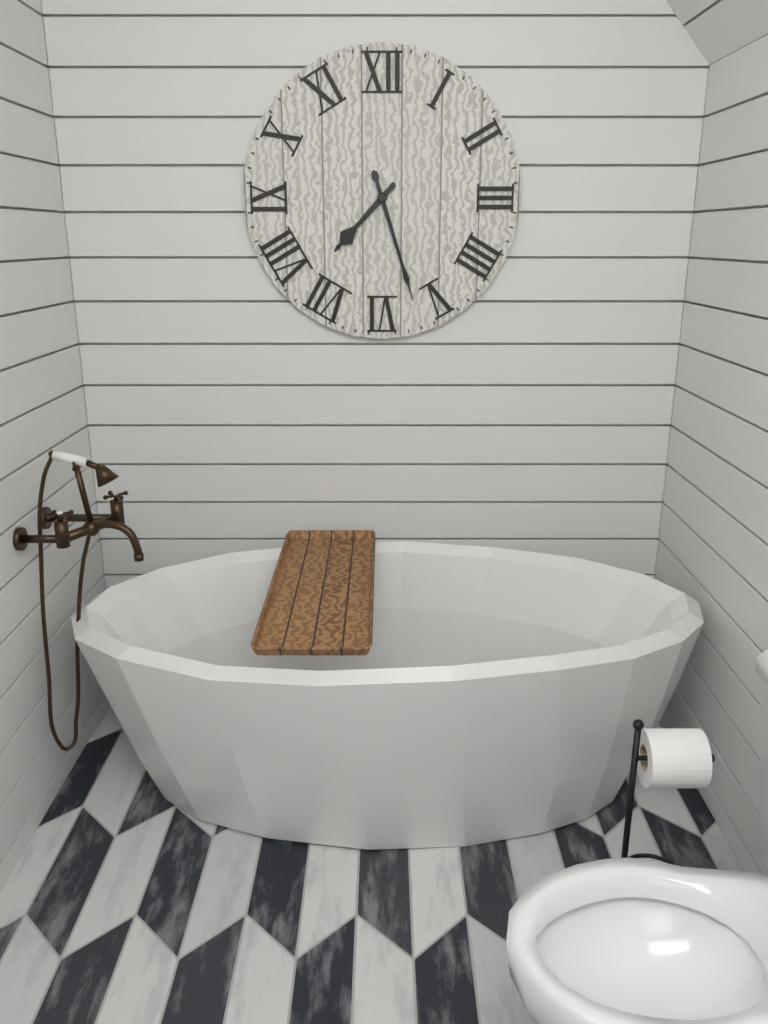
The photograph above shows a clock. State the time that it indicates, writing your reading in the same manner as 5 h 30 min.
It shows 7 h 27 min
